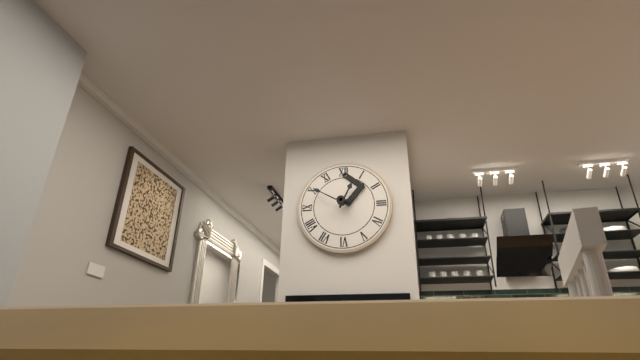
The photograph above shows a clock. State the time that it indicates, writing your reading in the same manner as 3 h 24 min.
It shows 12 h 50 min
